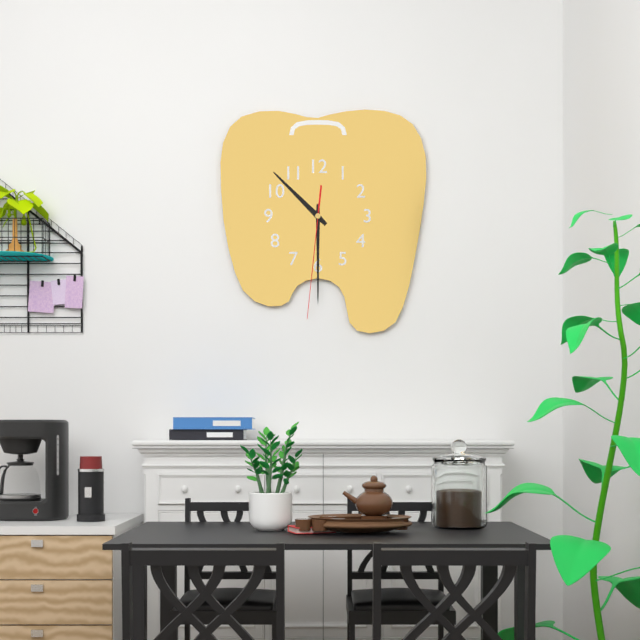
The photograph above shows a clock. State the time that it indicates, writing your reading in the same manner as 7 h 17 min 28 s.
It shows 10 h 30 min 31 s
